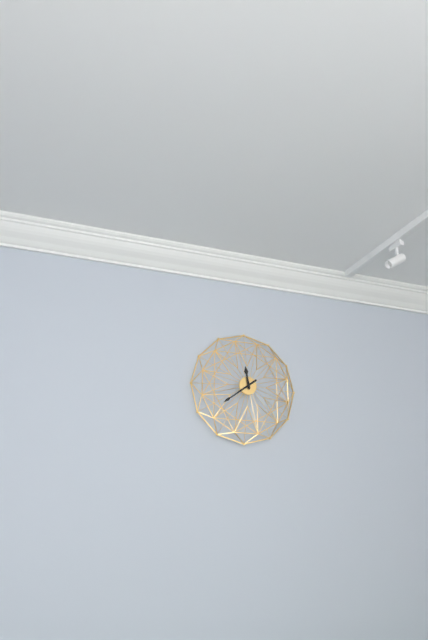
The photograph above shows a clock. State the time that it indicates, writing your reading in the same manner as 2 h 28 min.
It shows 11 h 39 min
